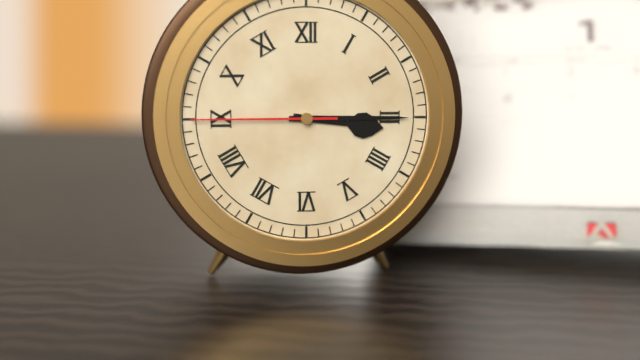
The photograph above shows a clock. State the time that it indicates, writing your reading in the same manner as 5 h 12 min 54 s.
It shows 3 h 15 min 45 s
